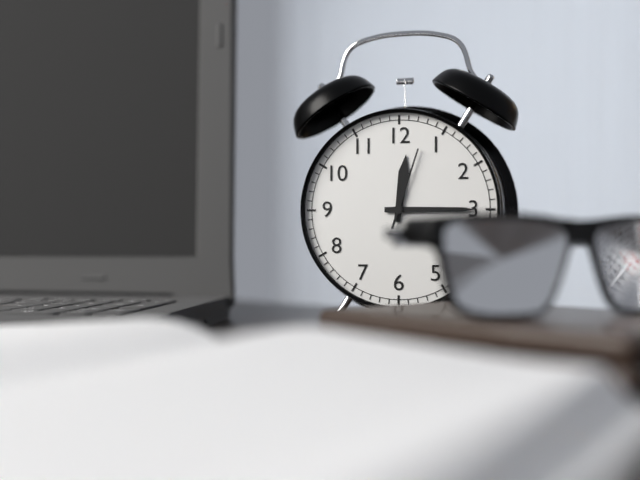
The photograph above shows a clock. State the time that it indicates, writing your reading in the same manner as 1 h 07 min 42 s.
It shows 12 h 15 min 03 s
